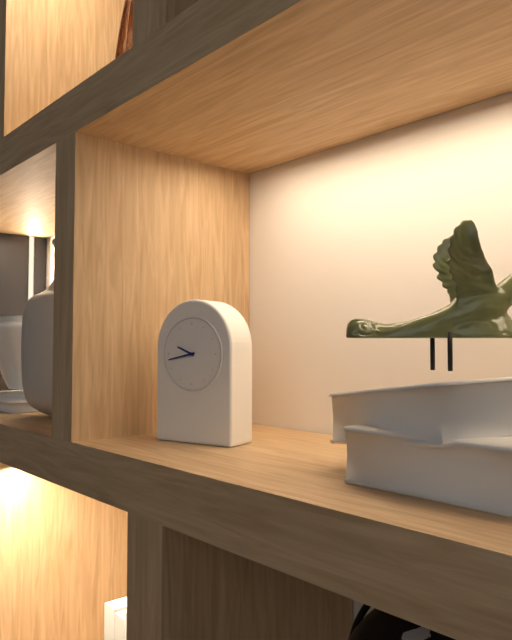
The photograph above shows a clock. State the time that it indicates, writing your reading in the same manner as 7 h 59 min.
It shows 9 h 43 min
